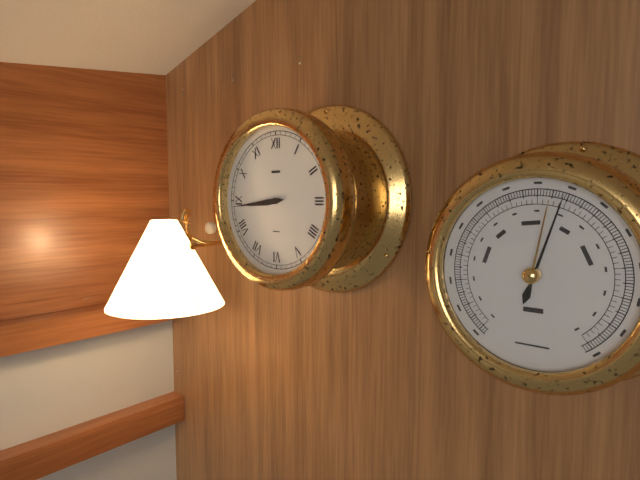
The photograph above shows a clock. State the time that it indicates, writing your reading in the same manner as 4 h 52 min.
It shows 8 h 44 min
